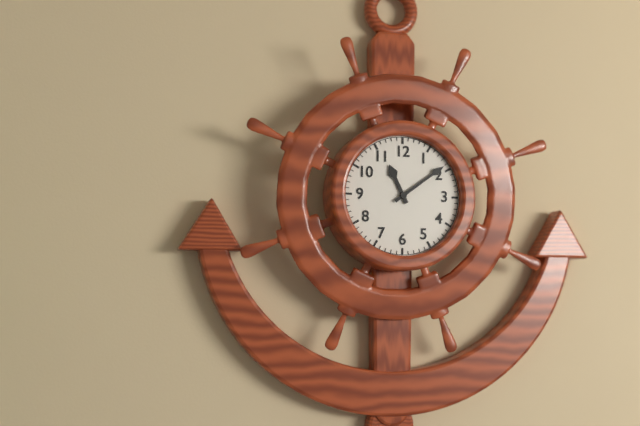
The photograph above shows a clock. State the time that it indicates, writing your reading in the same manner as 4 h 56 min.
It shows 11 h 09 min
